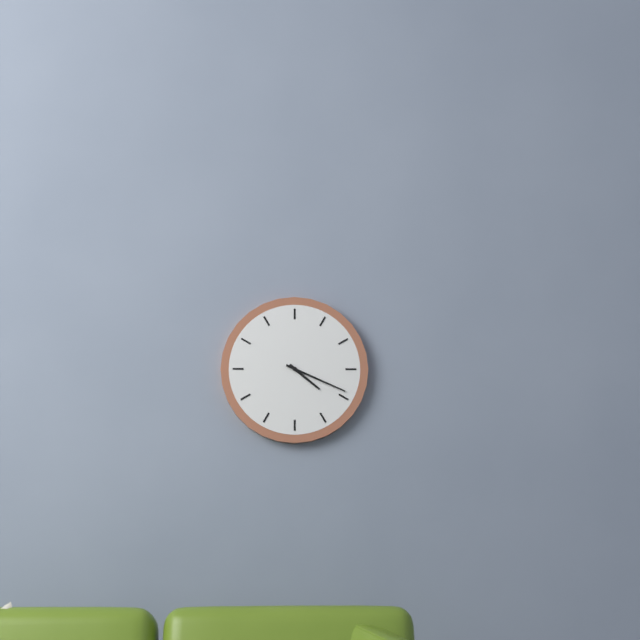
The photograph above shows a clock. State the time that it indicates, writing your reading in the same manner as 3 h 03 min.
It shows 4 h 19 min
